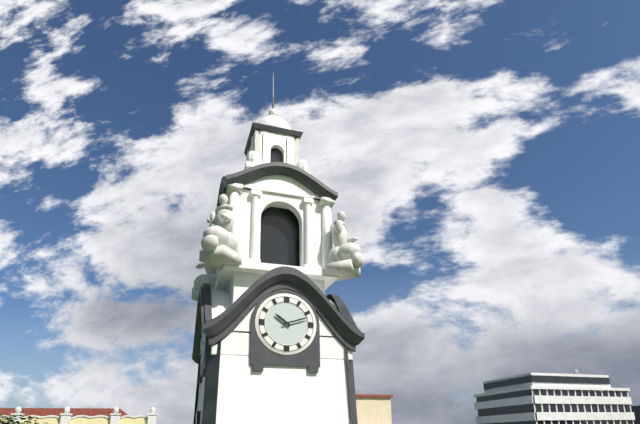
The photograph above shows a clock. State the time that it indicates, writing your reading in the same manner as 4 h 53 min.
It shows 10 h 12 min
